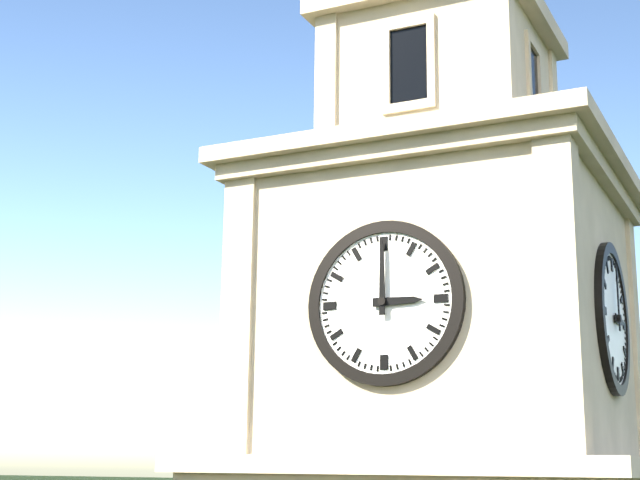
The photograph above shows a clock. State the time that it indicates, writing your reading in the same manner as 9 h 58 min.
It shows 3 h 00 min
